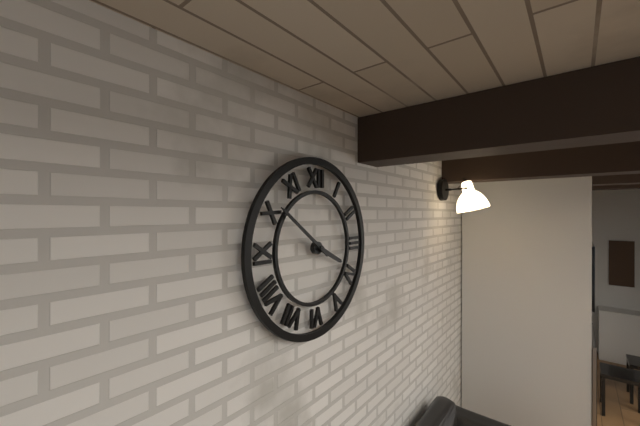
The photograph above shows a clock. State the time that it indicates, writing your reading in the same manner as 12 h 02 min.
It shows 3 h 51 min
